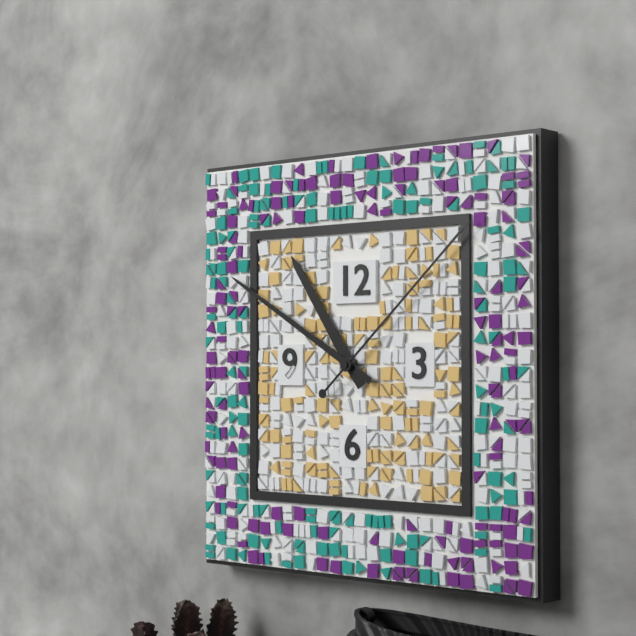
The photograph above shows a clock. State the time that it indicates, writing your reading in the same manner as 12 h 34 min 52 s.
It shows 10 h 50 min 08 s
